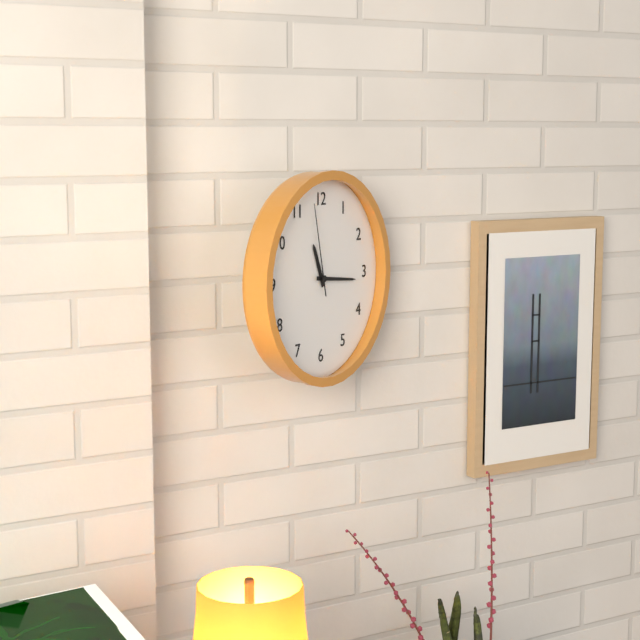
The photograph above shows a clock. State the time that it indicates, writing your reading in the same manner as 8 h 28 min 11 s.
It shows 11 h 16 min 58 s
